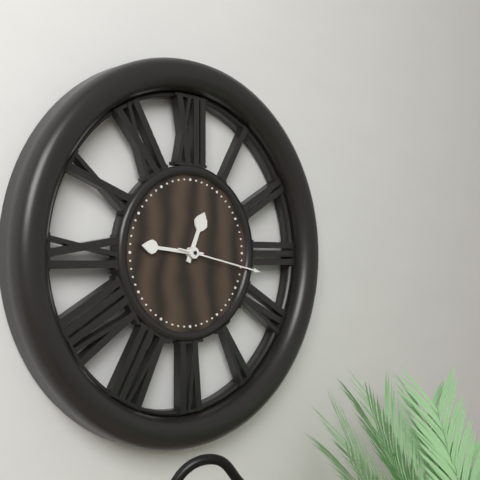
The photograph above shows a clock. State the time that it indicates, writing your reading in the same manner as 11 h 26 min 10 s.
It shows 12 h 46 min 17 s
